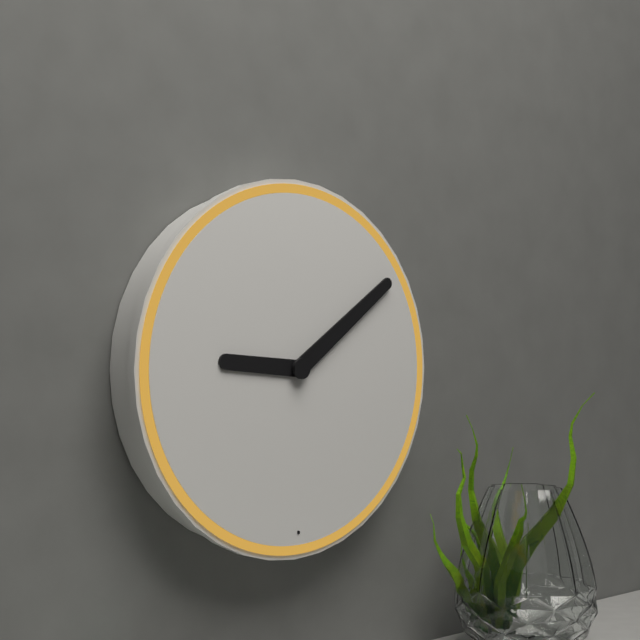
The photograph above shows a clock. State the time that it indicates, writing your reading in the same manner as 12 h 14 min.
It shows 9 h 09 min
